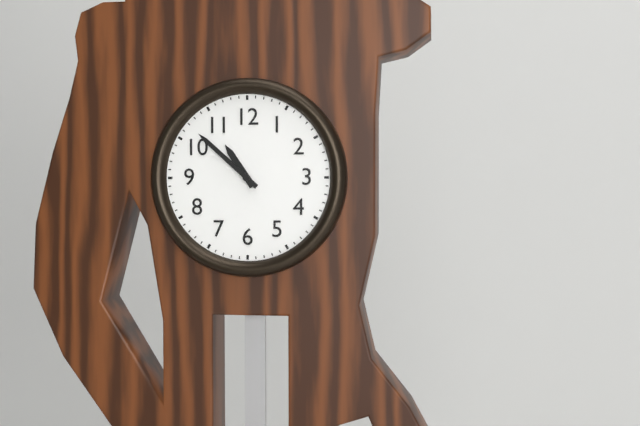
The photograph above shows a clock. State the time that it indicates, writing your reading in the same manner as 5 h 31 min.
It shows 10 h 52 min
